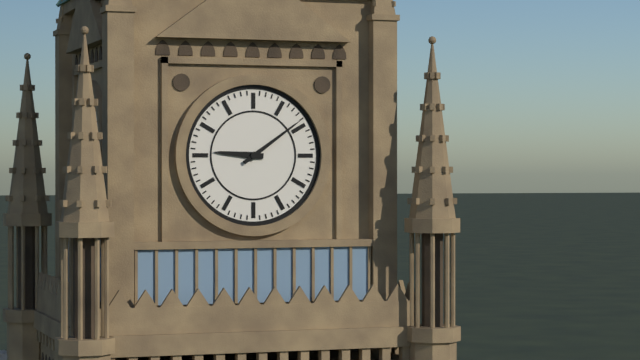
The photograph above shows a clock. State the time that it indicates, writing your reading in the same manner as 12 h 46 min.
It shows 9 h 09 min
